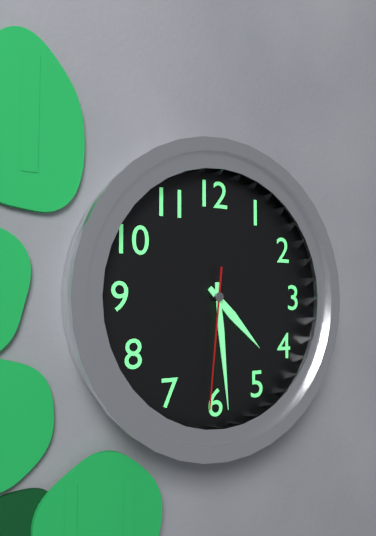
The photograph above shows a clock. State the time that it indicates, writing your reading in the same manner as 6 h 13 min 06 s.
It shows 4 h 29 min 31 s
